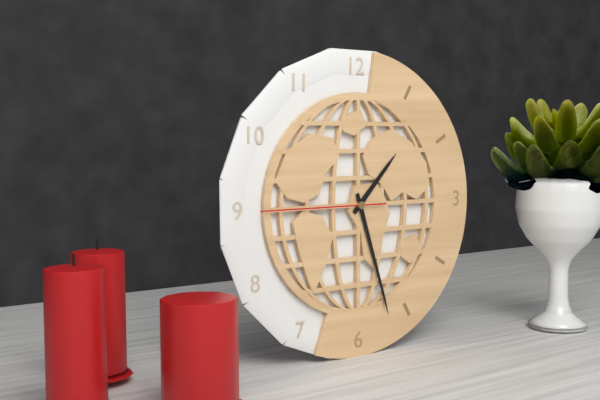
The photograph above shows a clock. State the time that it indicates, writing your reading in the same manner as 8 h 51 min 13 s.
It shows 1 h 27 min 45 s
